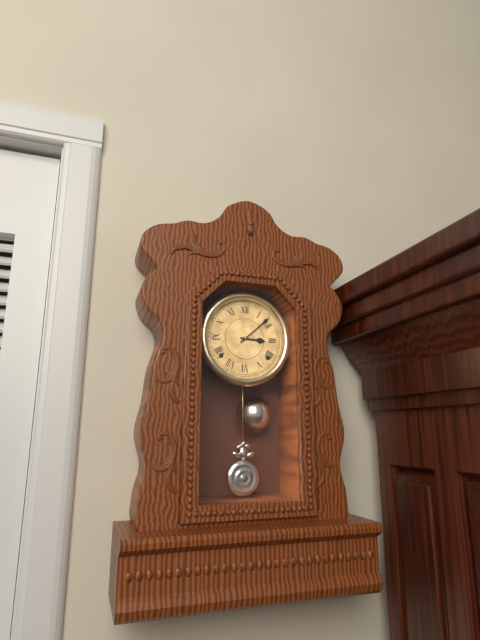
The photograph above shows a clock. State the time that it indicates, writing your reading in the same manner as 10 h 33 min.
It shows 3 h 08 min
